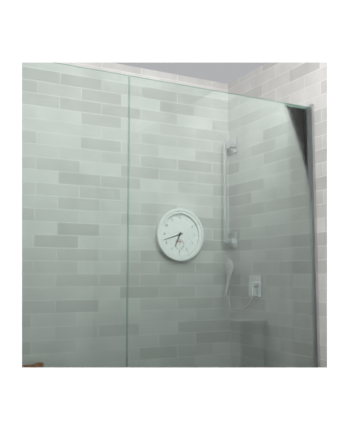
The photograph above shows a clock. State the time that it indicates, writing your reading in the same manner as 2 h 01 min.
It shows 6 h 42 min
